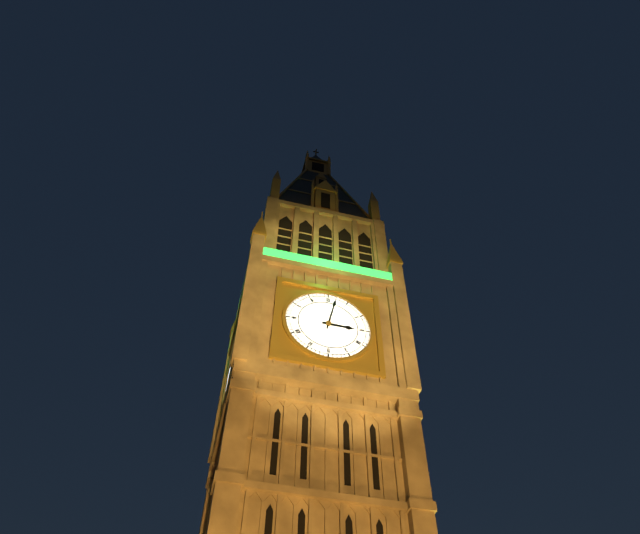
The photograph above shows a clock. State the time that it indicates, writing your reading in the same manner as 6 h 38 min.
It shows 3 h 02 min
